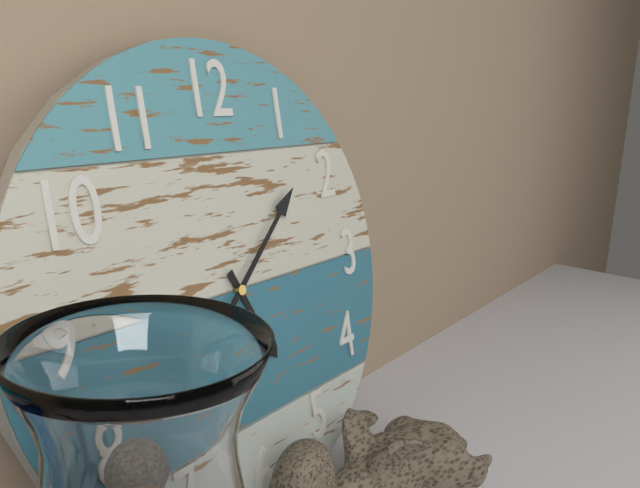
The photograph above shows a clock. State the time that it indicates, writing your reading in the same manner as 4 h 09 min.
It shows 5 h 08 min
